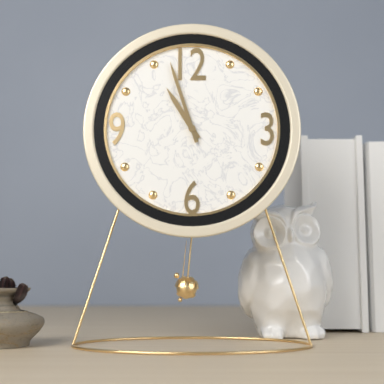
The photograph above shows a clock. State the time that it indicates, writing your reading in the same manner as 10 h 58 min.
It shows 10 h 57 min
